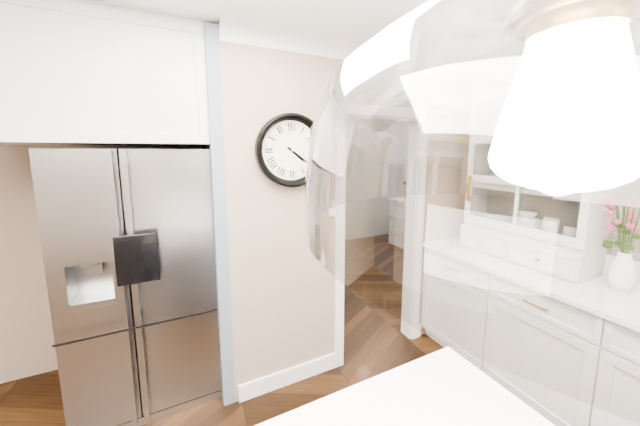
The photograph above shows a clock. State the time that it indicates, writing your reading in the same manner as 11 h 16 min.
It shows 4 h 21 min
